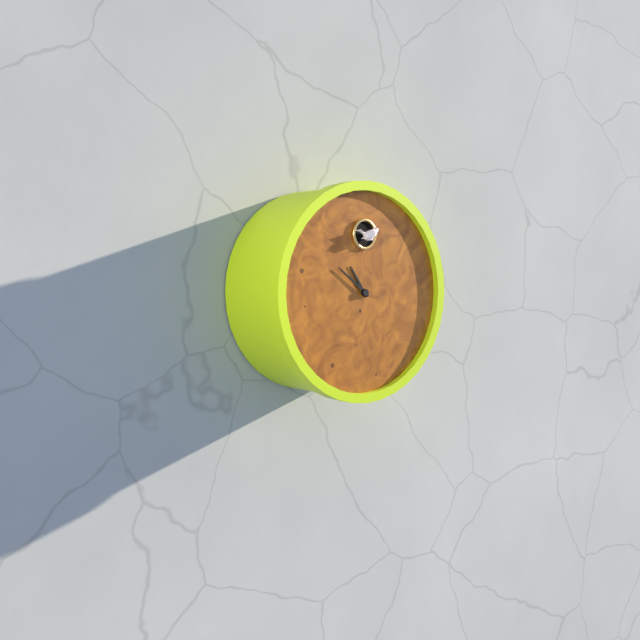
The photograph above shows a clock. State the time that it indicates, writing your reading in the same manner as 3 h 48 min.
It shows 10 h 51 min
